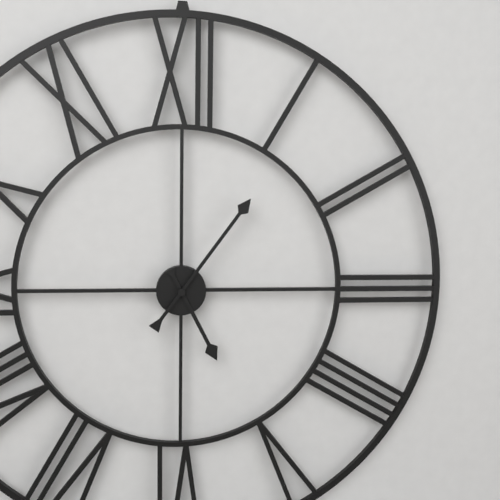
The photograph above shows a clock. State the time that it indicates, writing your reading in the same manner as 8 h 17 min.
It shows 5 h 06 min
